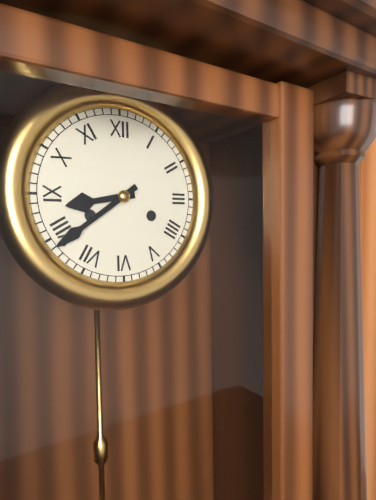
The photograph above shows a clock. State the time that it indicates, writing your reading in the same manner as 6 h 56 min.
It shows 8 h 39 min
